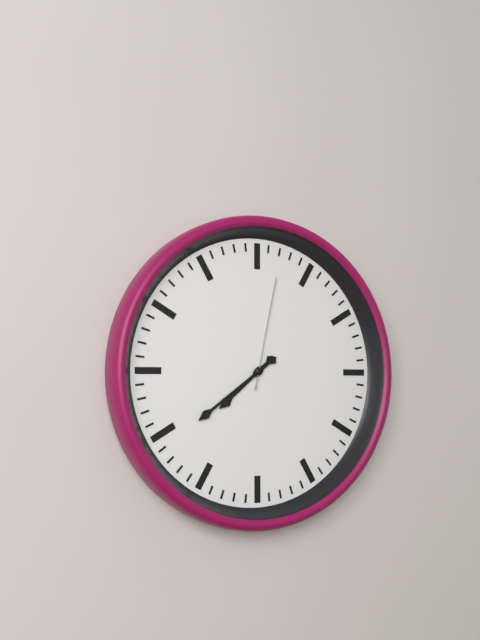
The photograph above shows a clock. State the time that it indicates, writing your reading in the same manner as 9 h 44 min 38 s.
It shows 7 h 39 min 02 s
